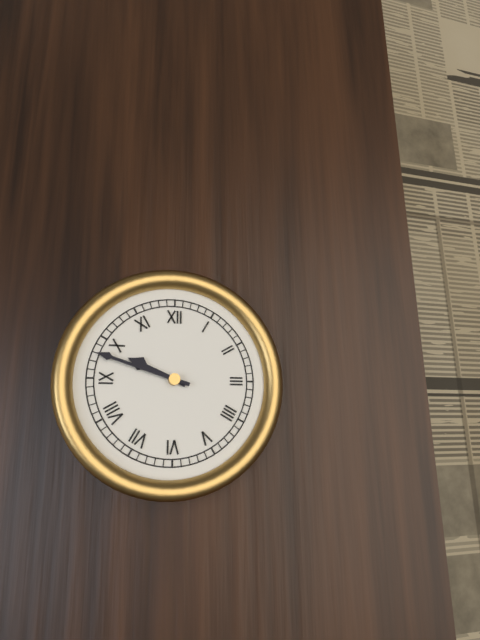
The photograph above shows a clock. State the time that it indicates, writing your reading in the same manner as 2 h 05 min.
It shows 9 h 48 min
